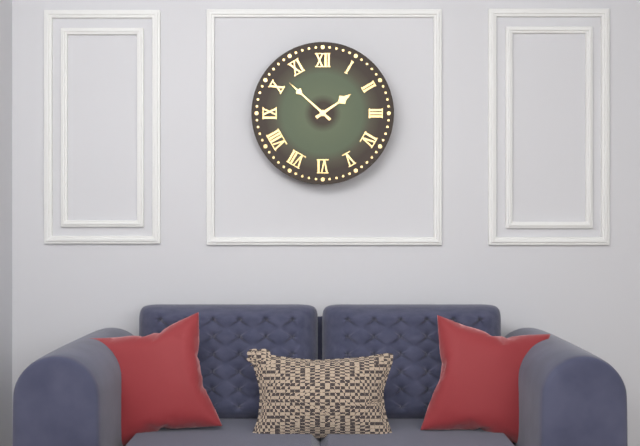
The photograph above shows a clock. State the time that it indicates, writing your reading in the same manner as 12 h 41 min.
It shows 1 h 52 min
